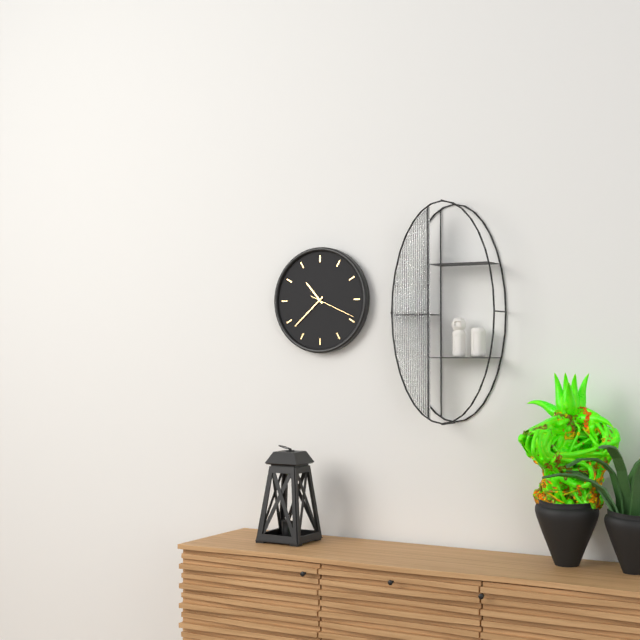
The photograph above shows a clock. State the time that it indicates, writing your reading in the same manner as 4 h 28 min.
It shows 10 h 38 min
